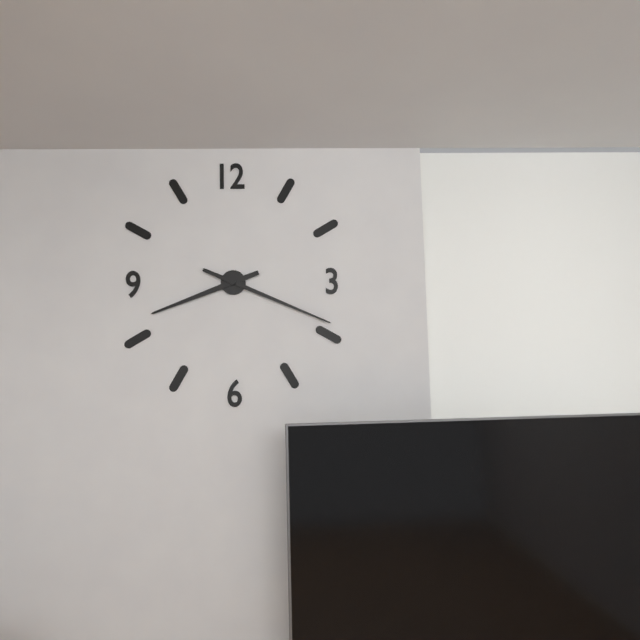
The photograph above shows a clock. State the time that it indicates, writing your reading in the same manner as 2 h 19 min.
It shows 8 h 19 min
